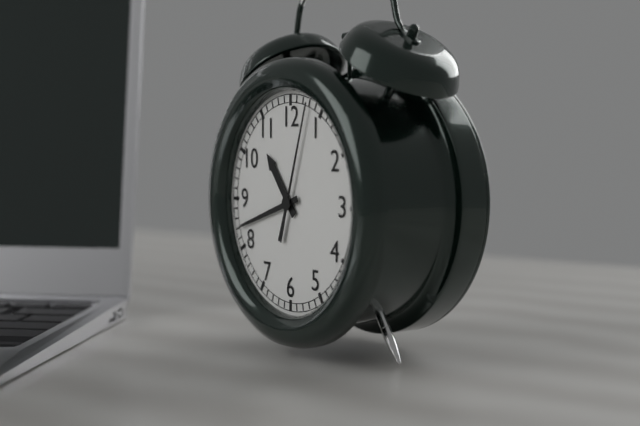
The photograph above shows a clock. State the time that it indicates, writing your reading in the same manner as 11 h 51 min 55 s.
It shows 10 h 42 min 03 s
